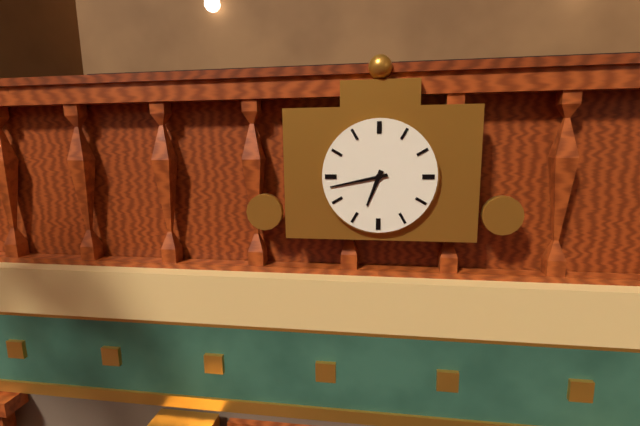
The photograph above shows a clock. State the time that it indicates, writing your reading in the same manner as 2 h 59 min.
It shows 6 h 43 min
